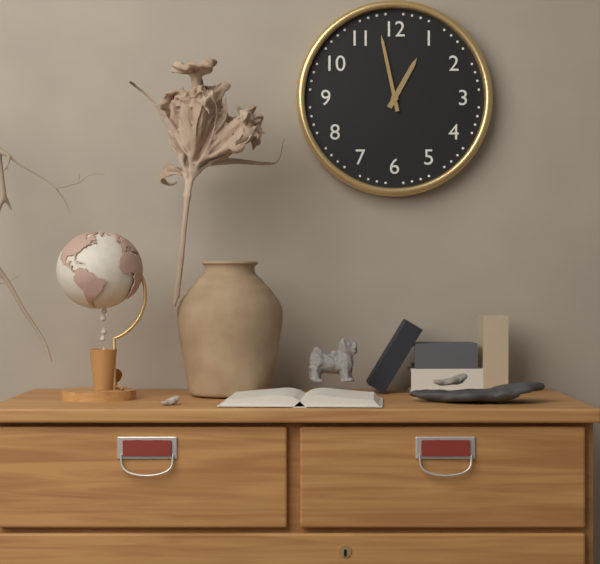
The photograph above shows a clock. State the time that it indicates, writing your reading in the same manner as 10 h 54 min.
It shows 12 h 58 min
